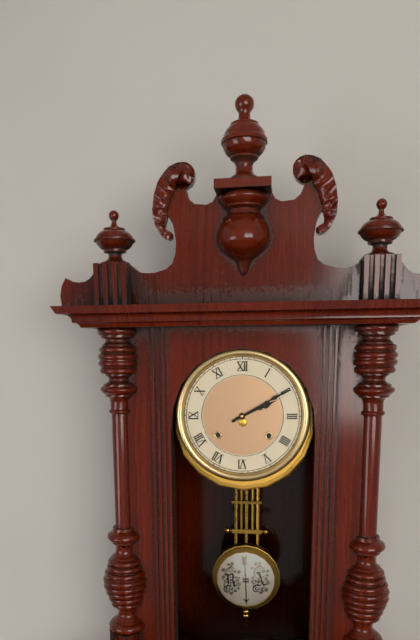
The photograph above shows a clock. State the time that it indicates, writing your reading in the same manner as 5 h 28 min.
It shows 2 h 10 min
